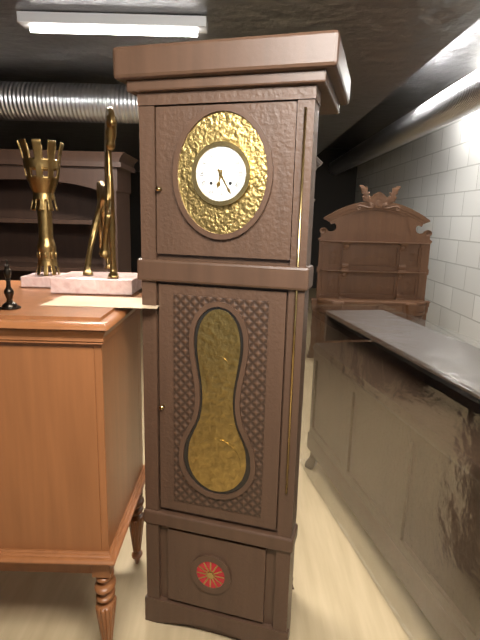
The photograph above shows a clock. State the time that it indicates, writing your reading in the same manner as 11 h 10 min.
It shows 6 h 25 min
